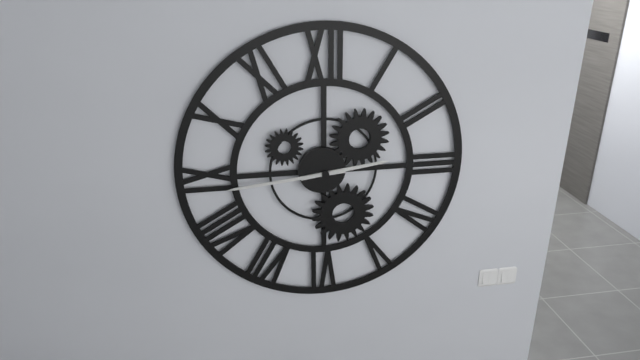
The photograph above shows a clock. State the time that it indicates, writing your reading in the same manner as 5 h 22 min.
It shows 2 h 44 min
